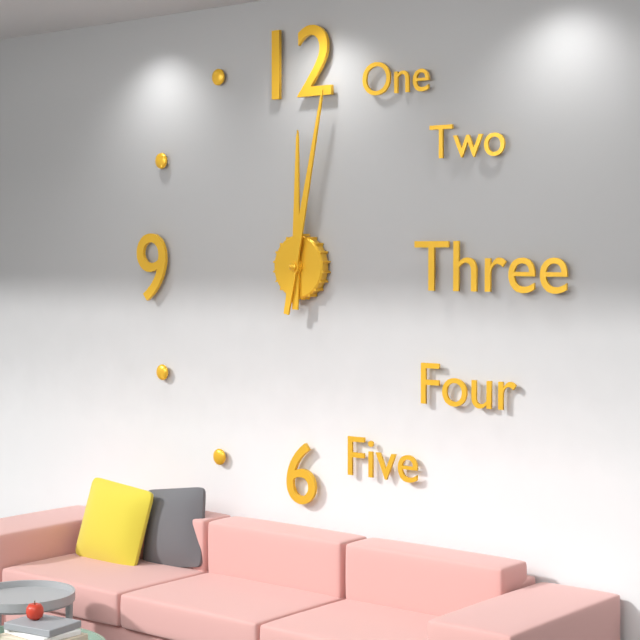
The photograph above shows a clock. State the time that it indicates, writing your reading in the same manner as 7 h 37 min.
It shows 12 h 02 min
